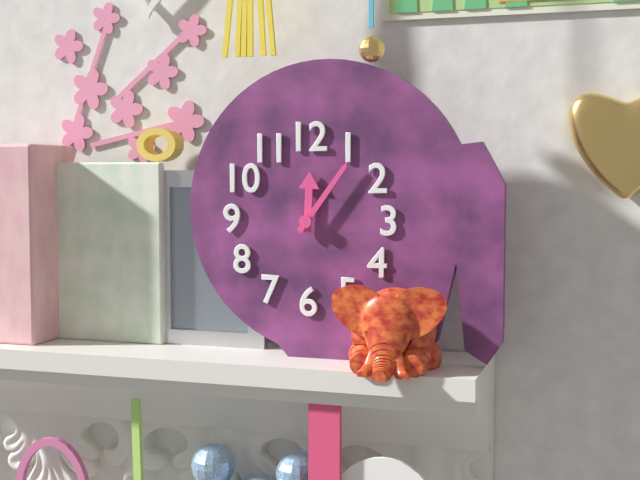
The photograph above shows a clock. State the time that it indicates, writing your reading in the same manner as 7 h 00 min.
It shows 12 h 06 min
